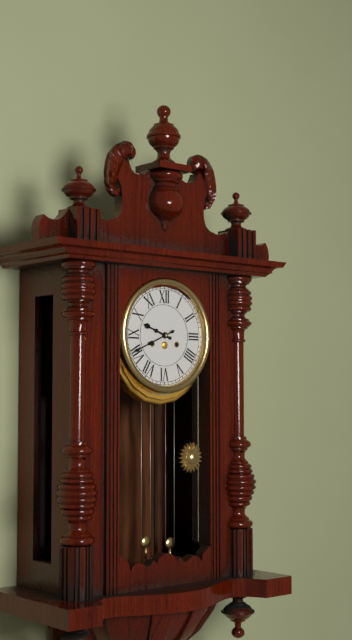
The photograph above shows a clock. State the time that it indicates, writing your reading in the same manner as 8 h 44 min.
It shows 9 h 41 min
